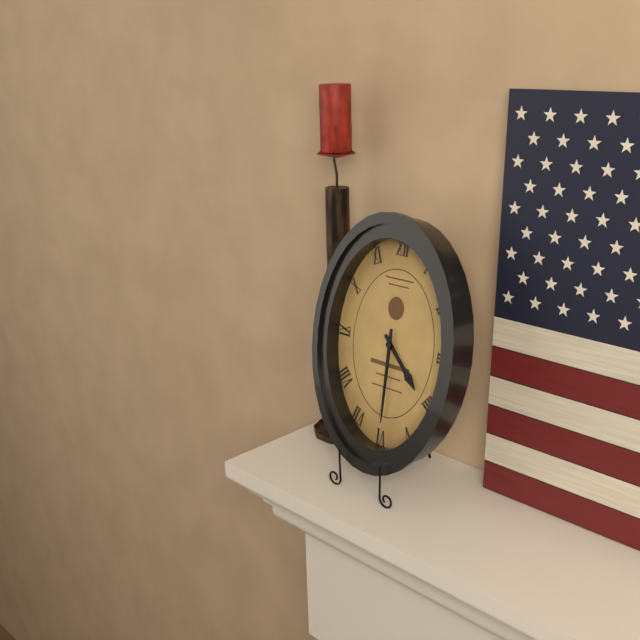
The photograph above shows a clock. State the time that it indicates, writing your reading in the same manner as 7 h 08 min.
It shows 4 h 30 min
